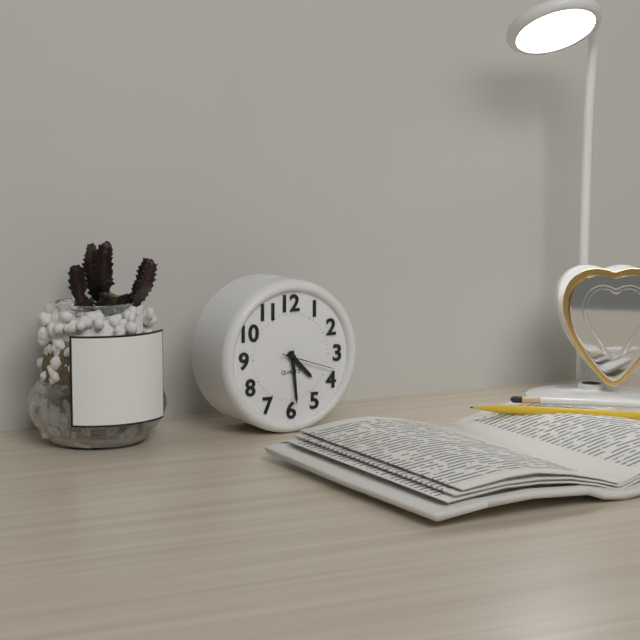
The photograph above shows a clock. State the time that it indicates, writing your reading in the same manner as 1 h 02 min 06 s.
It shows 4 h 29 min 18 s
